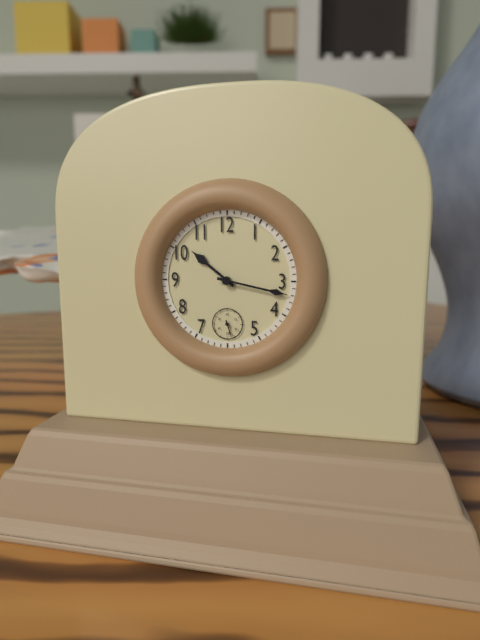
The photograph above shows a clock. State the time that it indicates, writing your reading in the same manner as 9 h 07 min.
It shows 10 h 17 min
